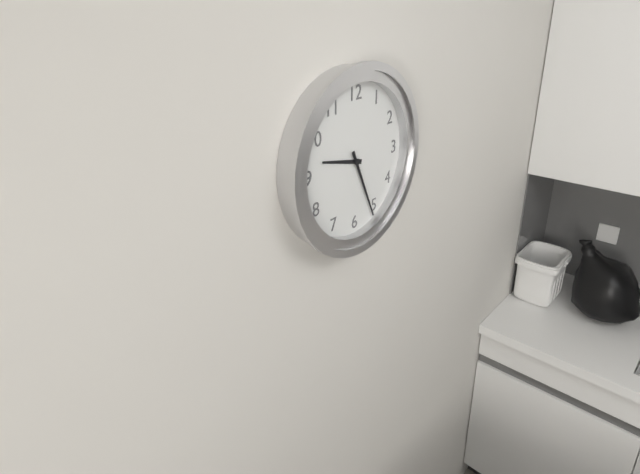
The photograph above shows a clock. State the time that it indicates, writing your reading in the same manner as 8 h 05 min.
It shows 9 h 26 min
